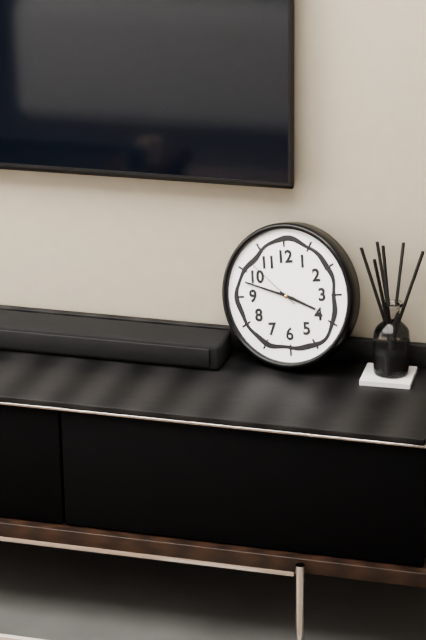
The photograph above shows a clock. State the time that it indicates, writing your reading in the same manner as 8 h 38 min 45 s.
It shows 3 h 48 min 52 s
